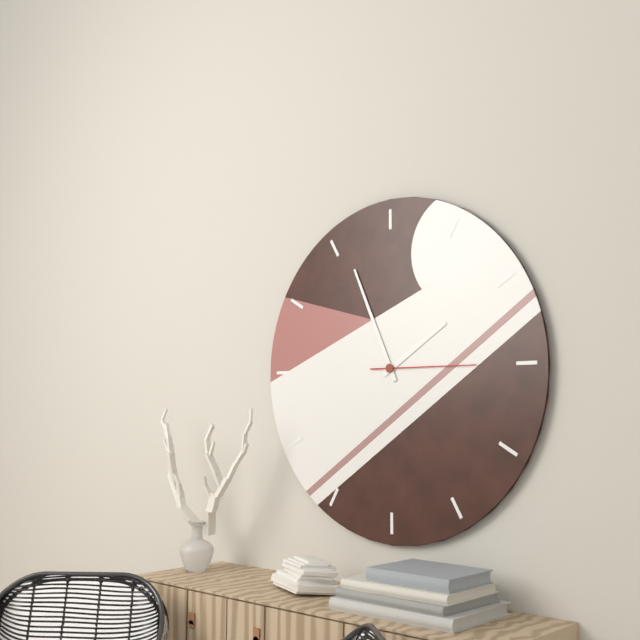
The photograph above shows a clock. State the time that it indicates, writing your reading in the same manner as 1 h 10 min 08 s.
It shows 1 h 56 min 15 s
